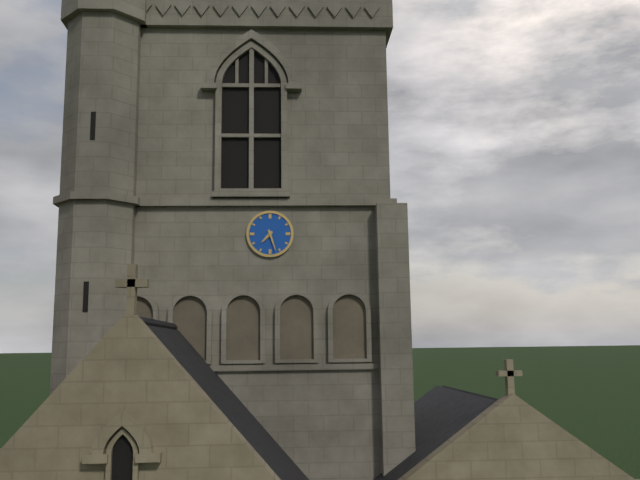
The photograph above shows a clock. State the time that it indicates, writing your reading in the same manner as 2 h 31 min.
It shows 7 h 27 min
